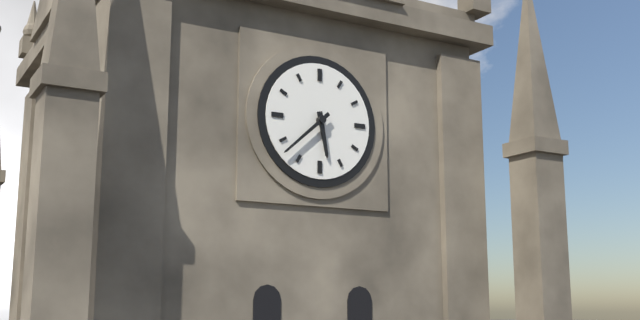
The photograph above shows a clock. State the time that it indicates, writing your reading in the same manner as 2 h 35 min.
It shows 5 h 38 min
